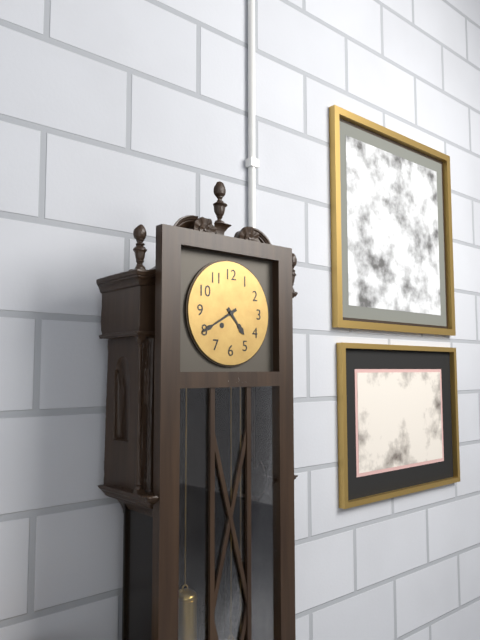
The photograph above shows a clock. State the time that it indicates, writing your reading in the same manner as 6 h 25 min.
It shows 4 h 40 min
